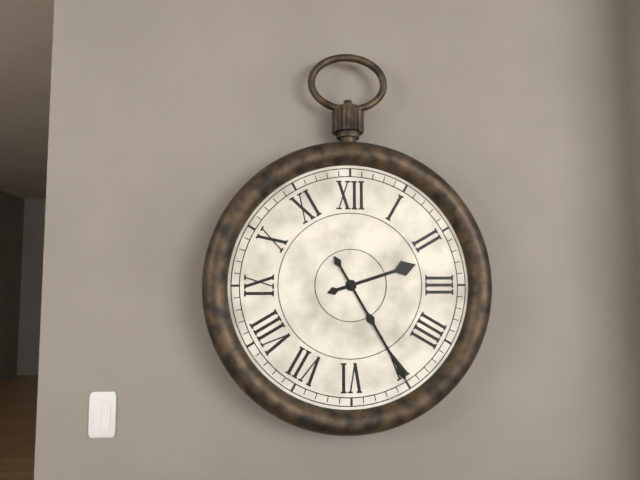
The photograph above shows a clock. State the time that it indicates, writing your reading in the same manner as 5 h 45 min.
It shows 2 h 25 min
